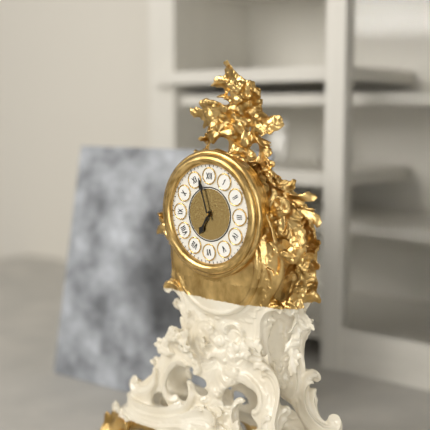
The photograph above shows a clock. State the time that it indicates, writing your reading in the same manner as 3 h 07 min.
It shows 6 h 57 min
